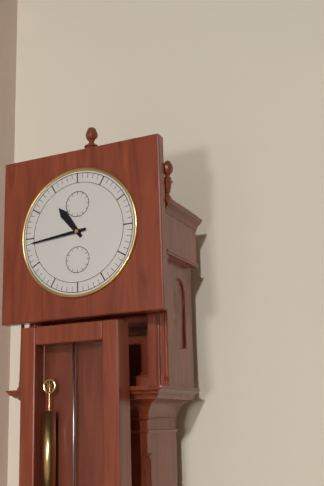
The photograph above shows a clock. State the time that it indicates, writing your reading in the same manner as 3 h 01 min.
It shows 10 h 44 min
